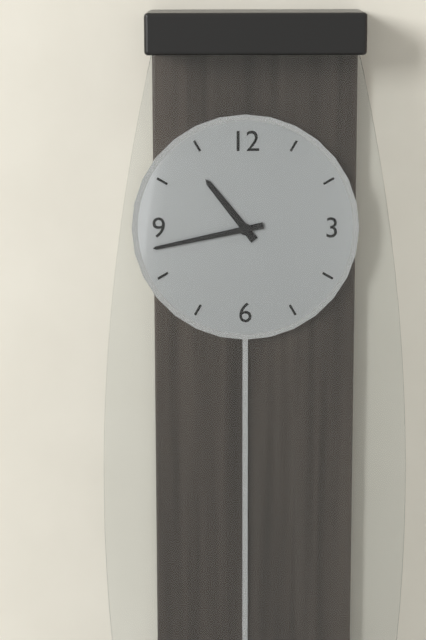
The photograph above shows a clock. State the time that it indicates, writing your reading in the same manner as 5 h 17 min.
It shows 10 h 43 min
